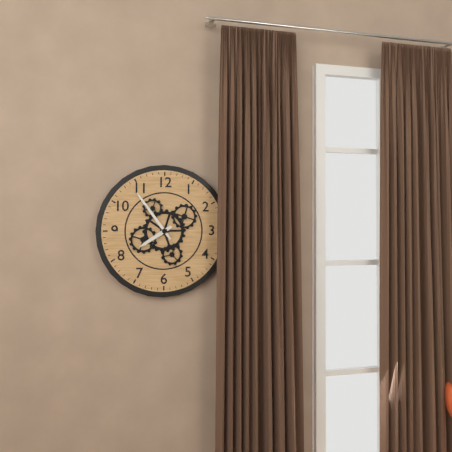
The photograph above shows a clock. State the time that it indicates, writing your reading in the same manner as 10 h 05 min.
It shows 7 h 54 min
